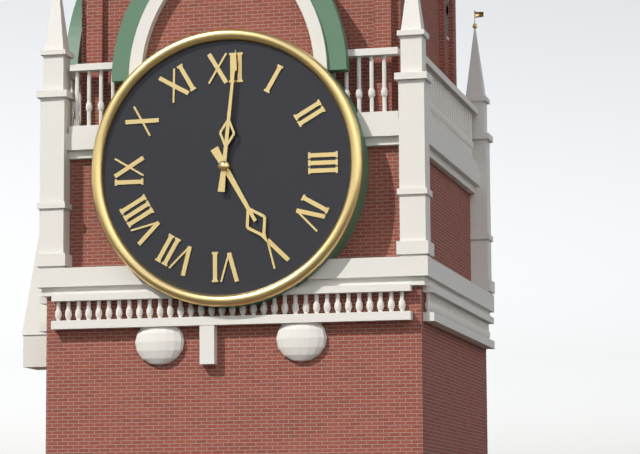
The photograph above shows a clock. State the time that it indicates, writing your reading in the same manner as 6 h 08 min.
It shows 5 h 01 min
